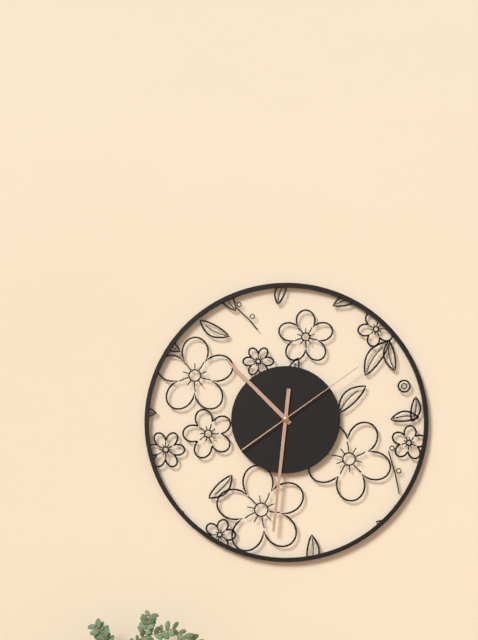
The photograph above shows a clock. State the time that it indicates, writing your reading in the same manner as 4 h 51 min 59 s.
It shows 10 h 31 min 09 s
